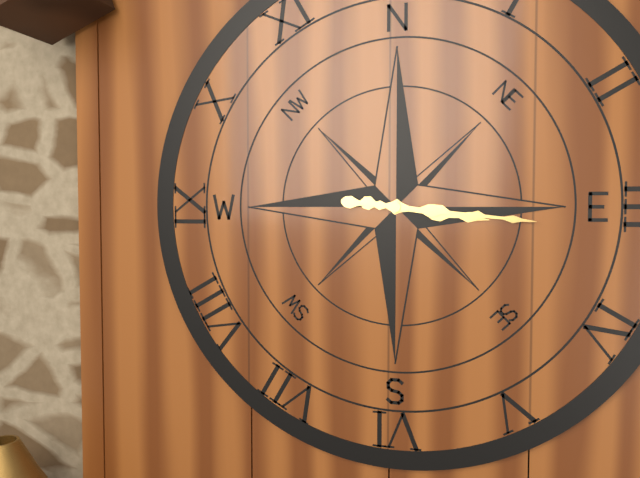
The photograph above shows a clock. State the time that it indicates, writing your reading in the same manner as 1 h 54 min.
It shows 3 h 16 min
